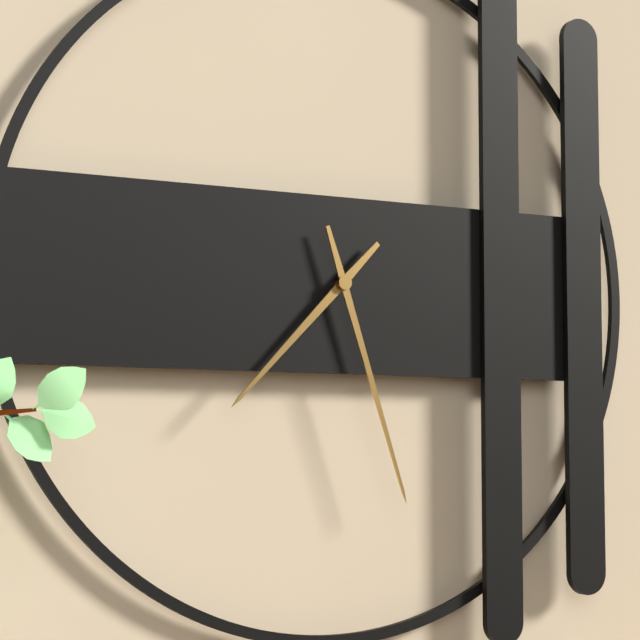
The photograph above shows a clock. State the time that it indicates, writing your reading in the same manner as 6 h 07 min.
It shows 7 h 27 min
